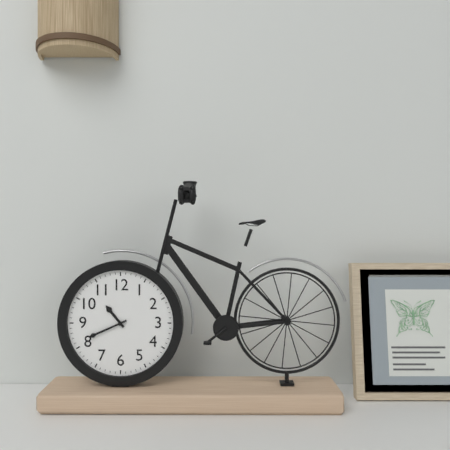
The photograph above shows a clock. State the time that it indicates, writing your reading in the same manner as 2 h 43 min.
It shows 10 h 41 min
